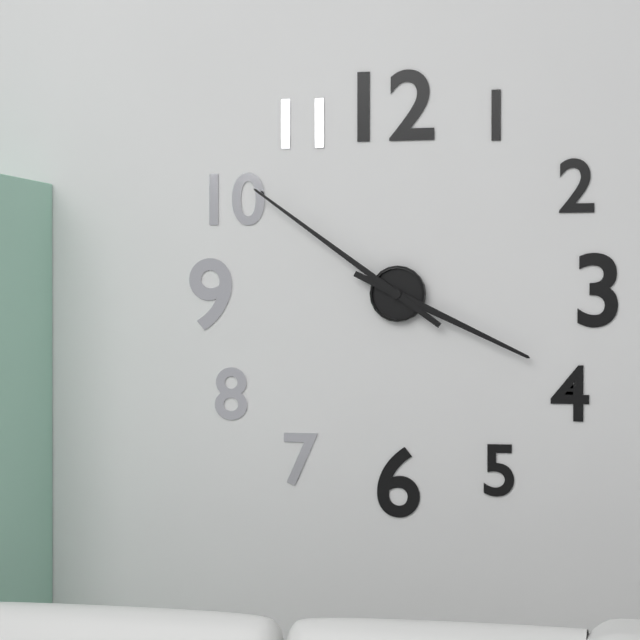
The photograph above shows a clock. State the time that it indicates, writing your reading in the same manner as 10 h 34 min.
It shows 3 h 51 min
